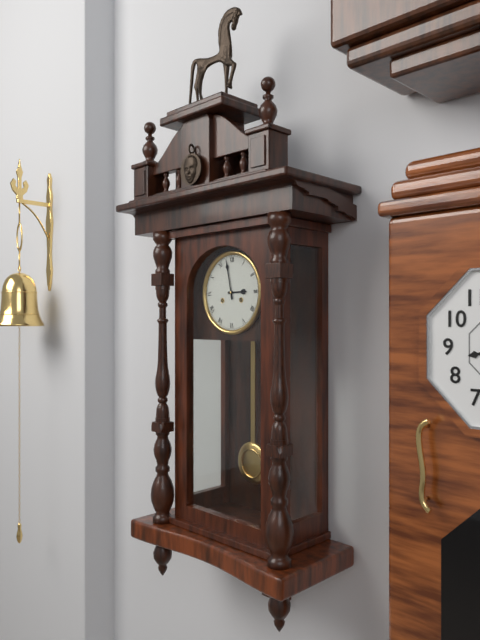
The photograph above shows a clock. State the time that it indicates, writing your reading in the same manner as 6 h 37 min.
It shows 2 h 58 min
